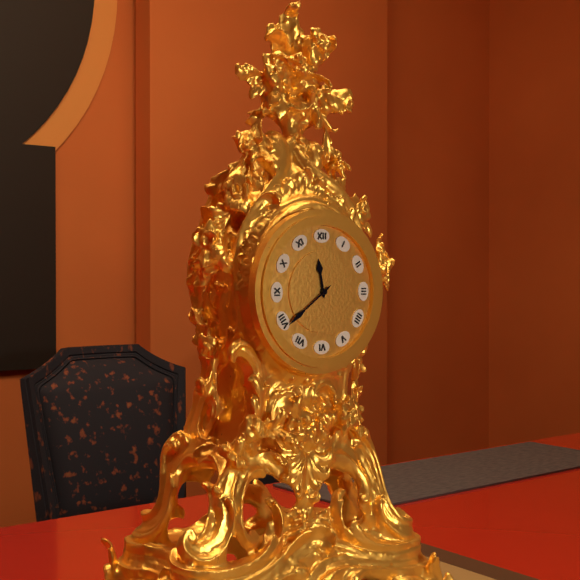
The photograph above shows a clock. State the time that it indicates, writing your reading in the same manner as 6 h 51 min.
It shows 11 h 39 min
